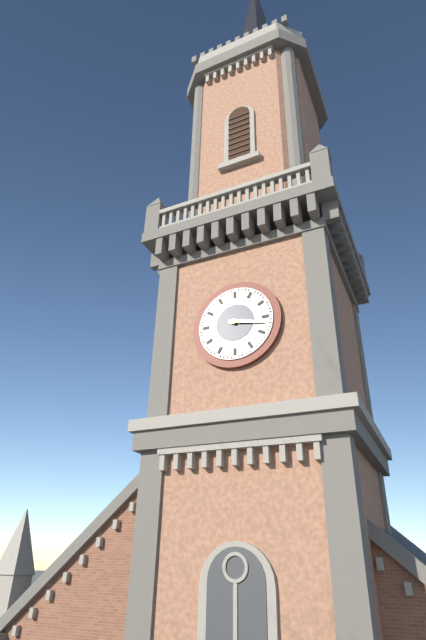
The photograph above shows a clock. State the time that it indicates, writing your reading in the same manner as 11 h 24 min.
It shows 3 h 17 min
